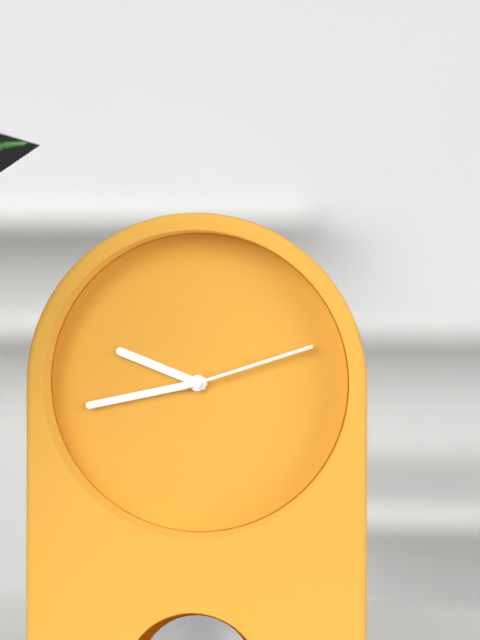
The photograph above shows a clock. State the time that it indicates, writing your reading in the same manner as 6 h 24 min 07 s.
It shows 9 h 43 min 12 s
